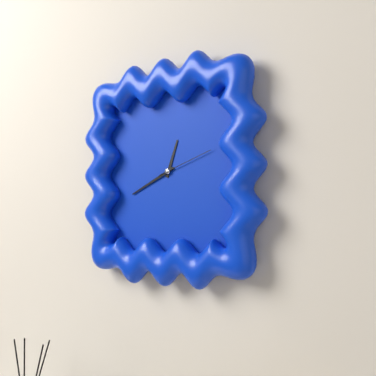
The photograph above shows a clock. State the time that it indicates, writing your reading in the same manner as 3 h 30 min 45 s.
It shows 12 h 41 min 12 s
